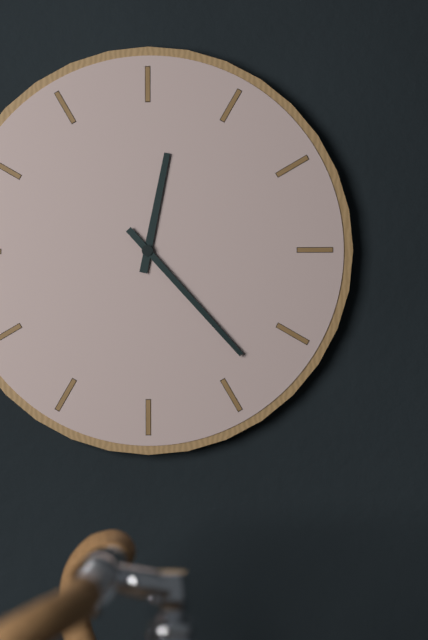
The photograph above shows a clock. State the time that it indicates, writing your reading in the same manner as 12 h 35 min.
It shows 12 h 23 min
